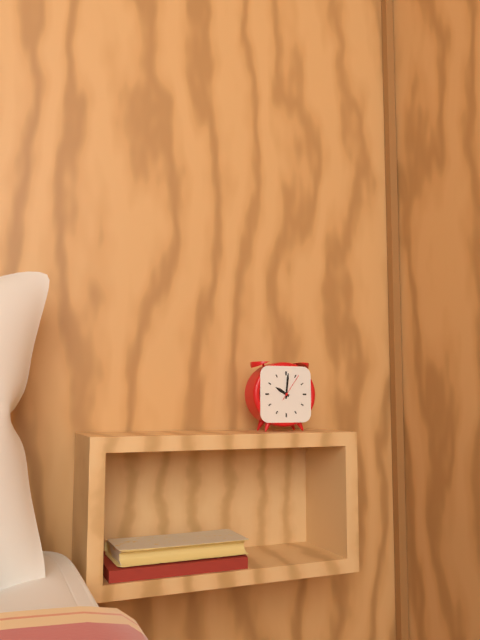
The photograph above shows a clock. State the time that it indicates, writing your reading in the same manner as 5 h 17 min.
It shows 10 h 01 min
